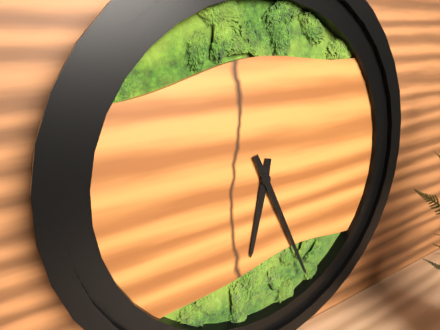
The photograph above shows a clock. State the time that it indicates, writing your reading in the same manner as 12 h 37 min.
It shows 6 h 26 min
